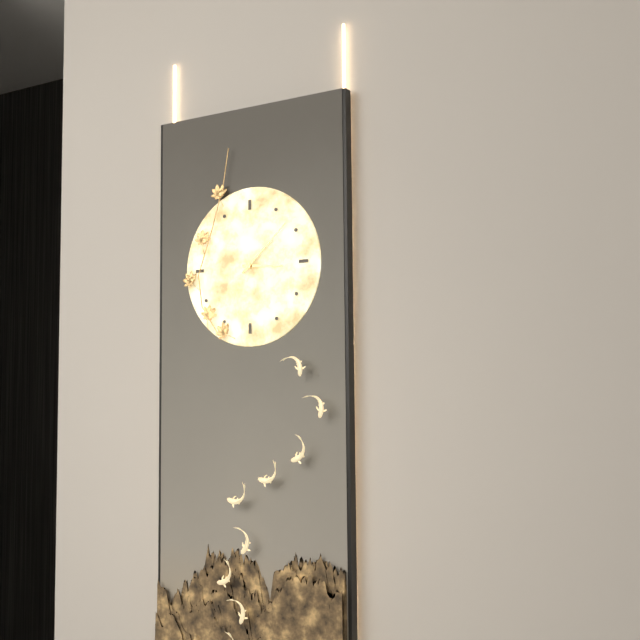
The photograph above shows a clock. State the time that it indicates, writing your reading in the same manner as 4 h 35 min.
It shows 3 h 08 min
